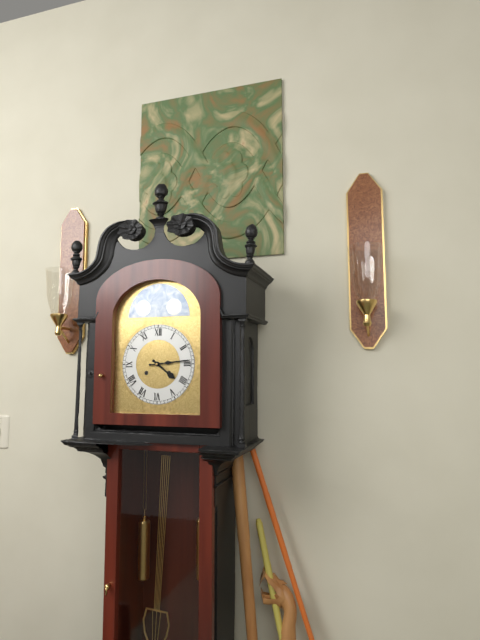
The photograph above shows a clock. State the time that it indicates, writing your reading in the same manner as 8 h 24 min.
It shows 4 h 14 min
